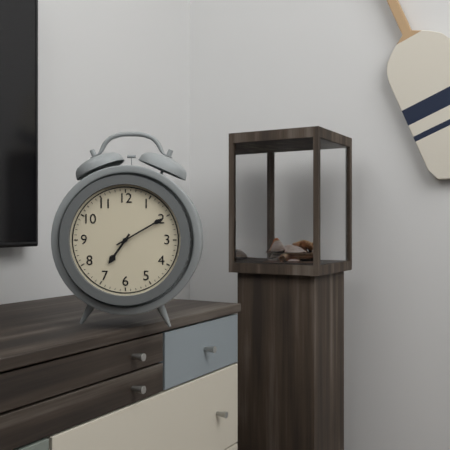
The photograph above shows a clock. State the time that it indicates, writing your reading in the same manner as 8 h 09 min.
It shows 7 h 10 min
